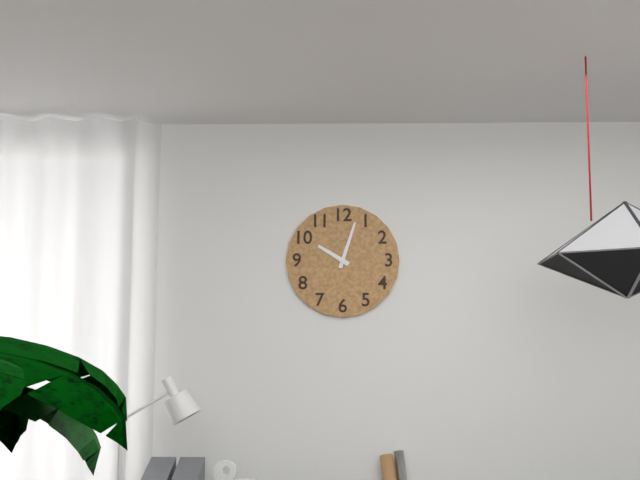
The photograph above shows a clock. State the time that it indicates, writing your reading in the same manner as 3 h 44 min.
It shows 10 h 03 min
